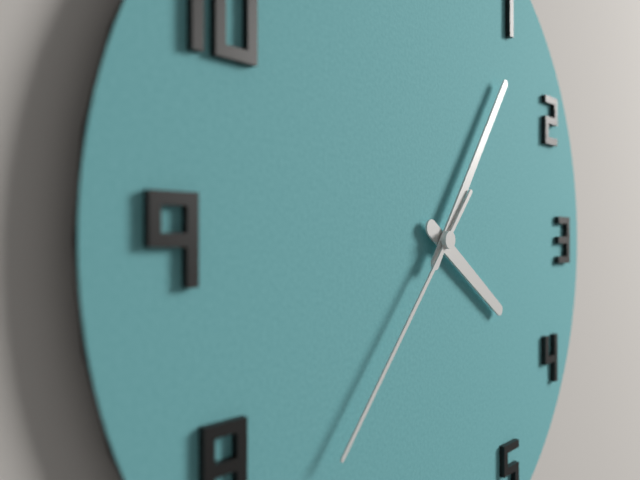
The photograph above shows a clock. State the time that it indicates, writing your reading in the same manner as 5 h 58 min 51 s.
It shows 4 h 06 min 37 s
